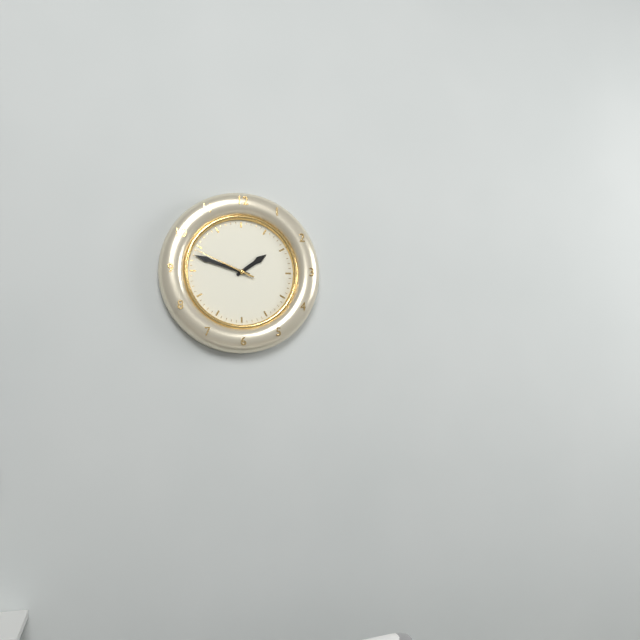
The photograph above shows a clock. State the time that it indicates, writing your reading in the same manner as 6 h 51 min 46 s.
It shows 1 h 48 min 49 s
